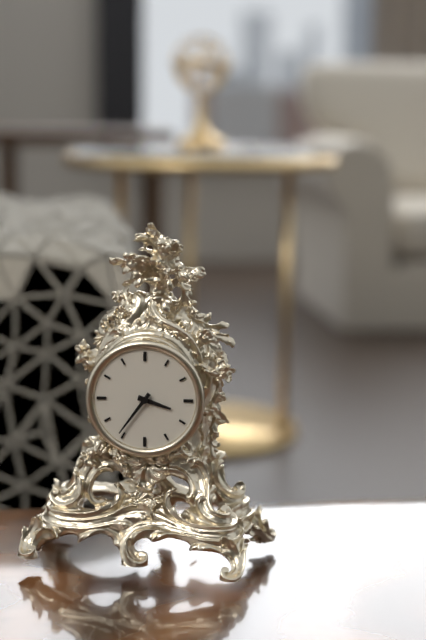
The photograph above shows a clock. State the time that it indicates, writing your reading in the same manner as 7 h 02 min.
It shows 3 h 36 min
